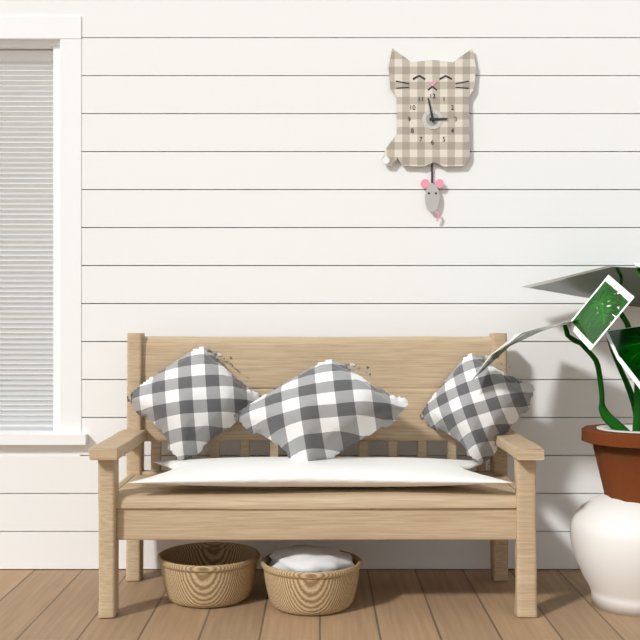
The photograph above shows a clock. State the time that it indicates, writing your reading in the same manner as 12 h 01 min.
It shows 2 h 58 min
